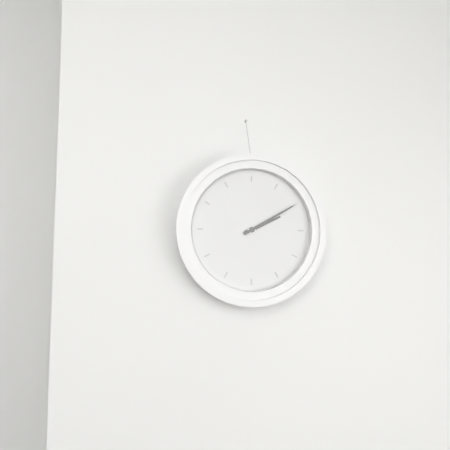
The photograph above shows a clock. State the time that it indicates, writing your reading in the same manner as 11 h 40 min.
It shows 2 h 10 min
